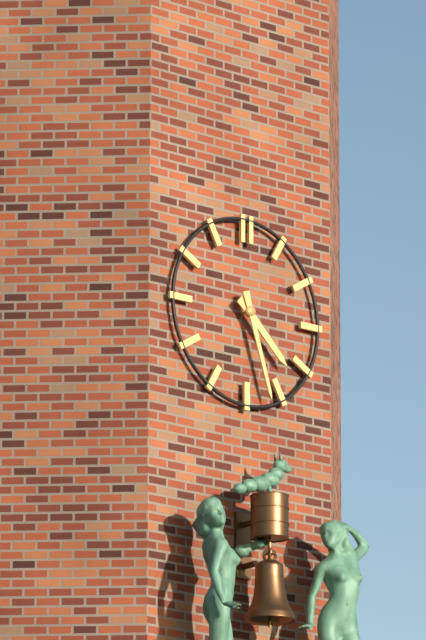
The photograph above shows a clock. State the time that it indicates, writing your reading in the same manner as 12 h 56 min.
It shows 4 h 27 min
